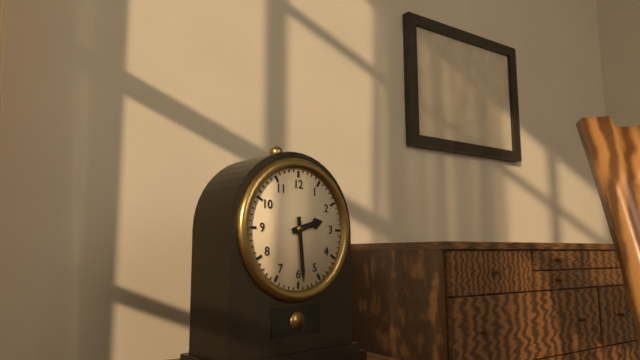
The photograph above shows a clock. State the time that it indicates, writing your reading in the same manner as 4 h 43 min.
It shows 2 h 29 min
